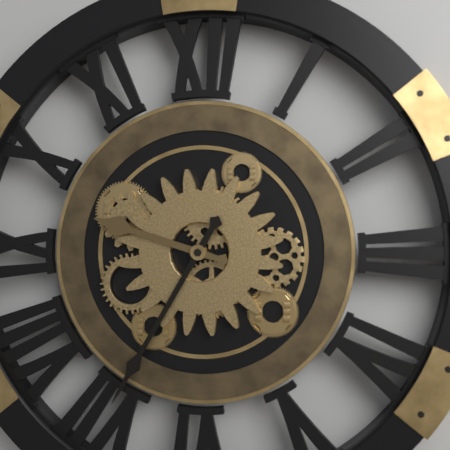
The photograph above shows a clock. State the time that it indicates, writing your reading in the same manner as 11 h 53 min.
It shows 9 h 35 min
